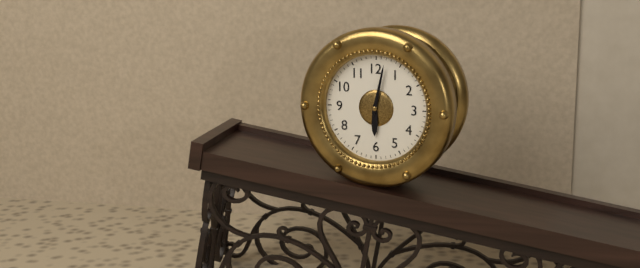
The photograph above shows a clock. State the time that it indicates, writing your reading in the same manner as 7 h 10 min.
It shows 6 h 02 min
